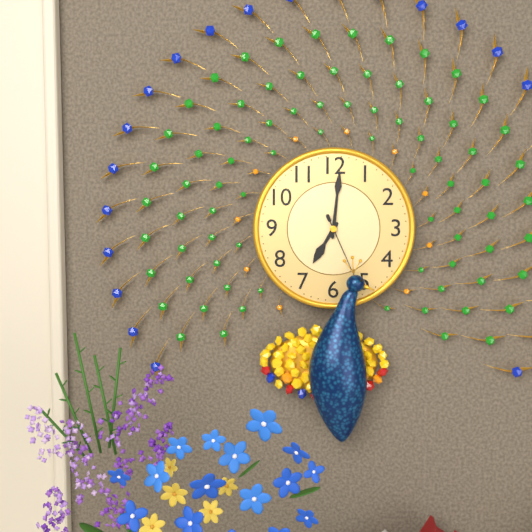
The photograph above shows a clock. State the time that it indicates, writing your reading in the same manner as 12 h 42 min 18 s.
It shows 7 h 01 min 26 s
